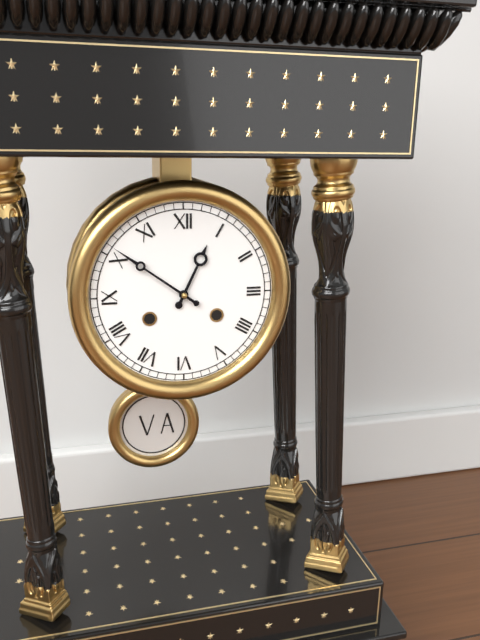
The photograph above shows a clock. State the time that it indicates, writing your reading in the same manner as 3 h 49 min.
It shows 12 h 51 min
